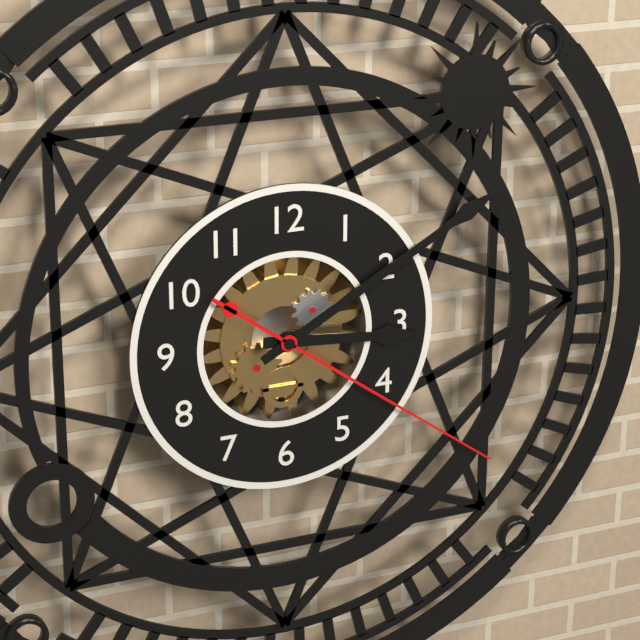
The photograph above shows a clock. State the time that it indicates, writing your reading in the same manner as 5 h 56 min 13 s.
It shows 3 h 10 min 21 s
